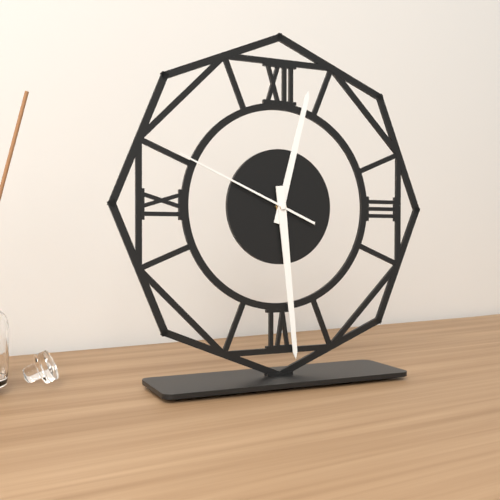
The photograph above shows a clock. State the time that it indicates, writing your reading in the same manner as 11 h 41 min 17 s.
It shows 12 h 29 min 49 s
